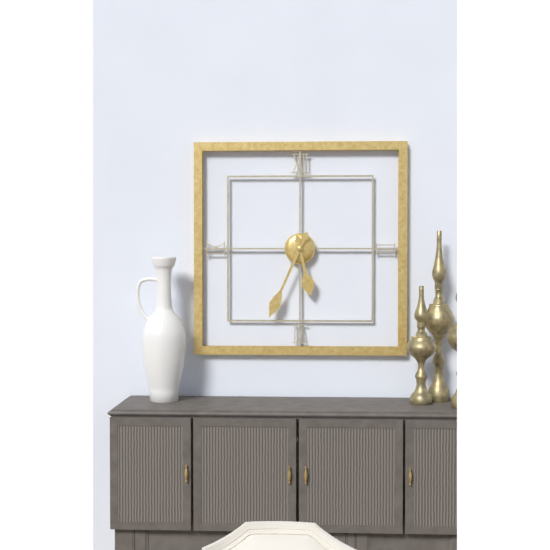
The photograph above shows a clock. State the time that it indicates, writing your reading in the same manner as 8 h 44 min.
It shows 5 h 34 min
